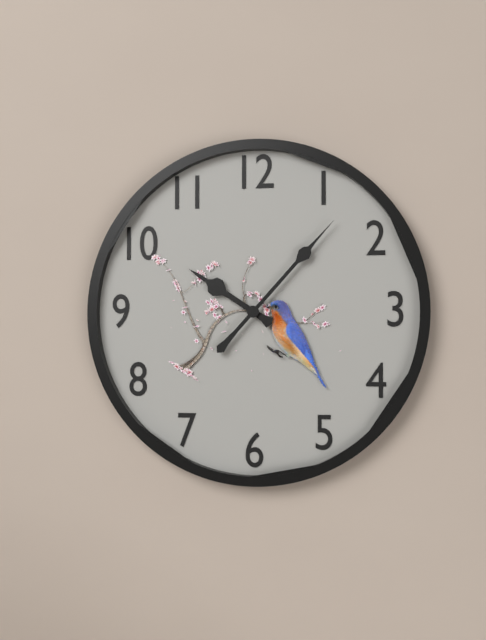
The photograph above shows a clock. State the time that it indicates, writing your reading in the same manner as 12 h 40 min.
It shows 10 h 07 min
